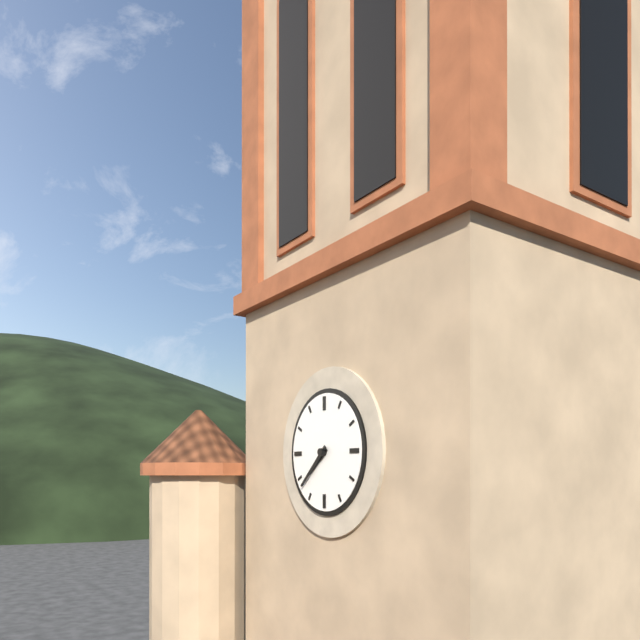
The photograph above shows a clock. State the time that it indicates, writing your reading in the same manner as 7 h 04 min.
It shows 7 h 38 min
